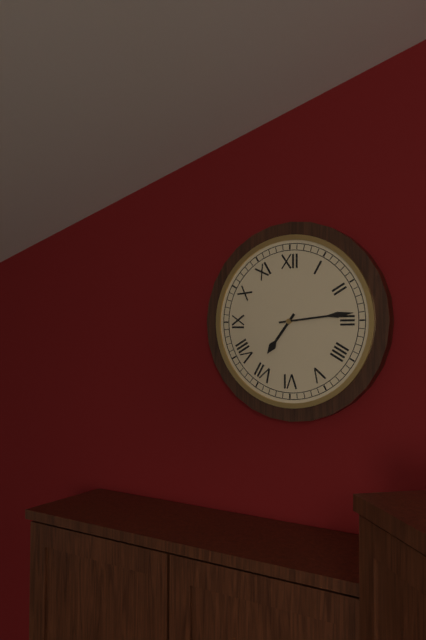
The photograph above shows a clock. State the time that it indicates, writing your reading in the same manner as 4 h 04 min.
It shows 7 h 14 min
